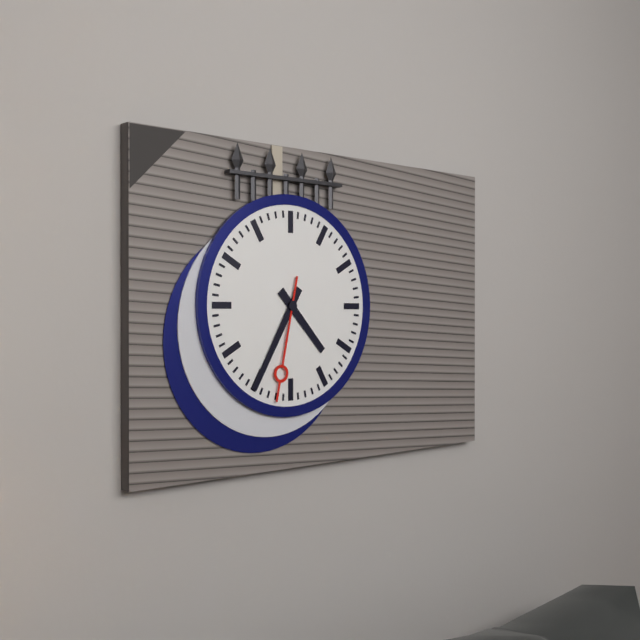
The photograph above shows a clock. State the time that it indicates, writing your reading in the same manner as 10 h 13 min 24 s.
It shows 4 h 35 min 32 s
